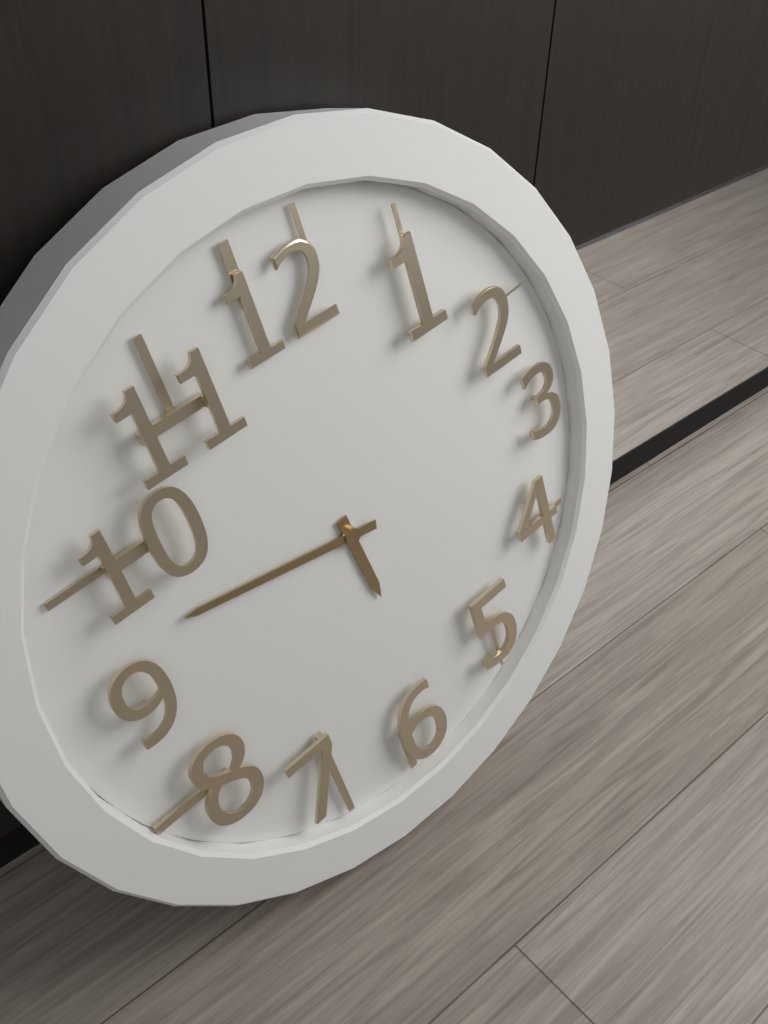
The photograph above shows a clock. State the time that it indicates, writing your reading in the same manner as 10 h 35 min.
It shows 5 h 47 min
